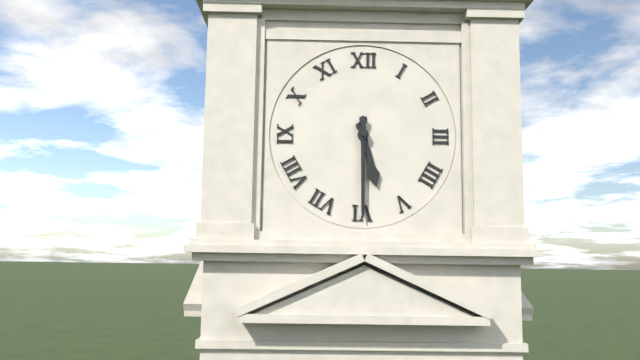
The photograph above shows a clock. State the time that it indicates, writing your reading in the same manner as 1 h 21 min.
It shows 5 h 30 min
